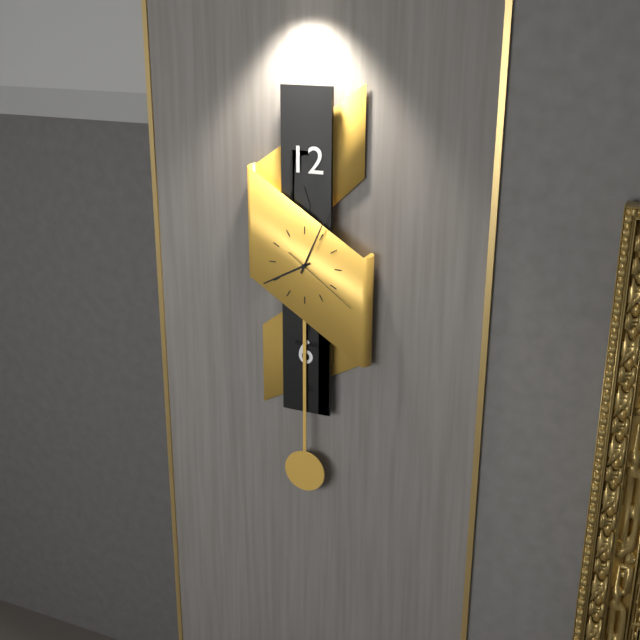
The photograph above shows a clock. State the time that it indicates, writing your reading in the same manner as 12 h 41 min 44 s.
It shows 8 h 04 min 21 s
